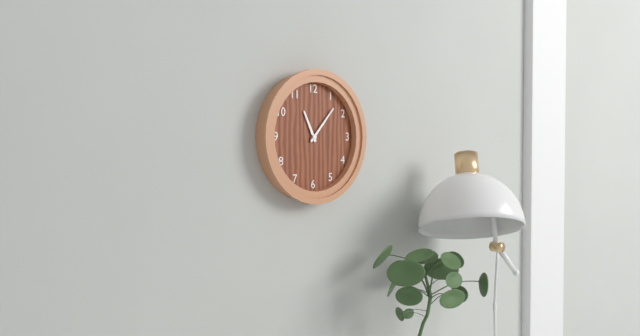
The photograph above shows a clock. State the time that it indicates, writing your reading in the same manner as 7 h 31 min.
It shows 11 h 07 min
